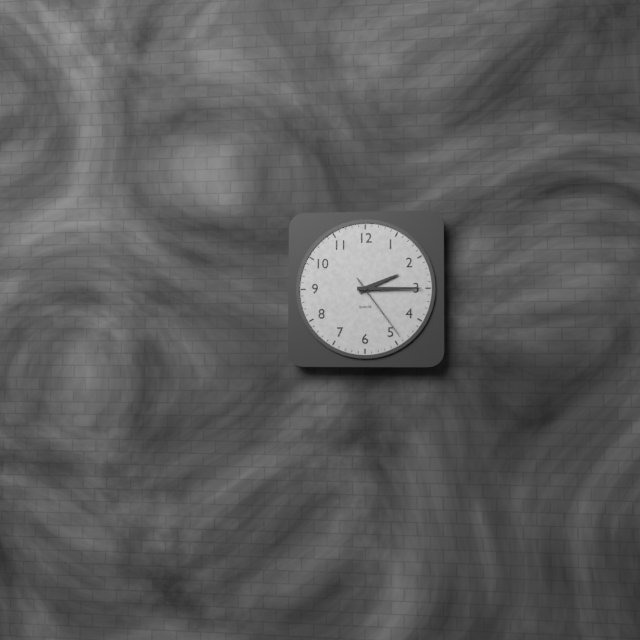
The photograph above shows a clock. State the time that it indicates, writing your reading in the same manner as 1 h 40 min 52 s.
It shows 2 h 15 min 24 s
